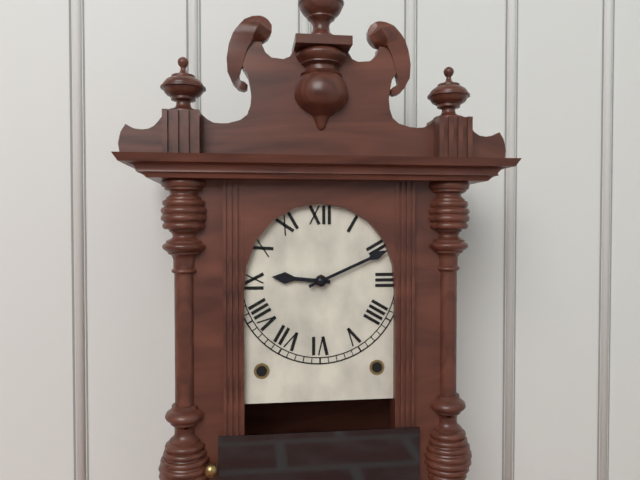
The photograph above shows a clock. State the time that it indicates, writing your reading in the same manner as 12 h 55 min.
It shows 9 h 11 min
